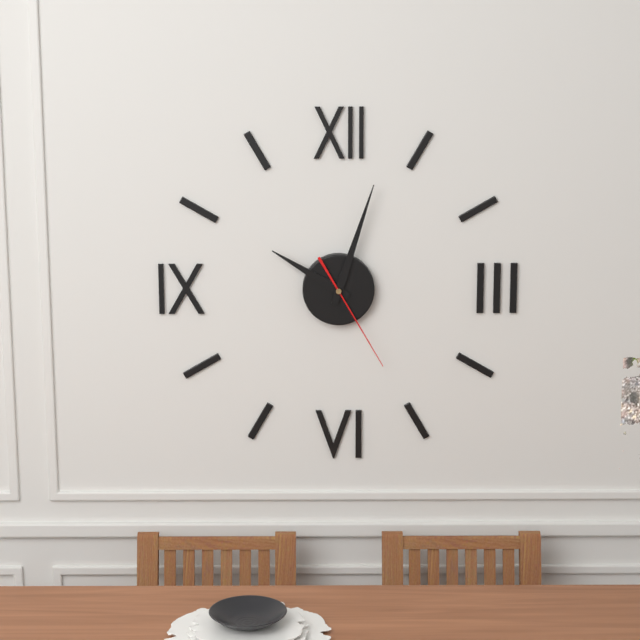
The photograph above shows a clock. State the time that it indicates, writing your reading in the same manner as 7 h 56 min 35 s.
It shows 10 h 03 min 25 s
